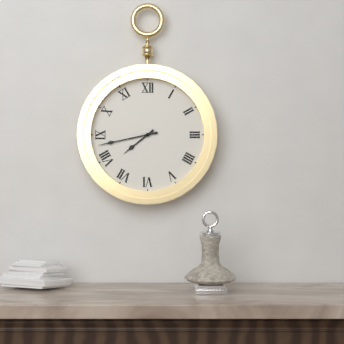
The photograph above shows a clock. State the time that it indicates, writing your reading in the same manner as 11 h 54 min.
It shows 7 h 43 min
